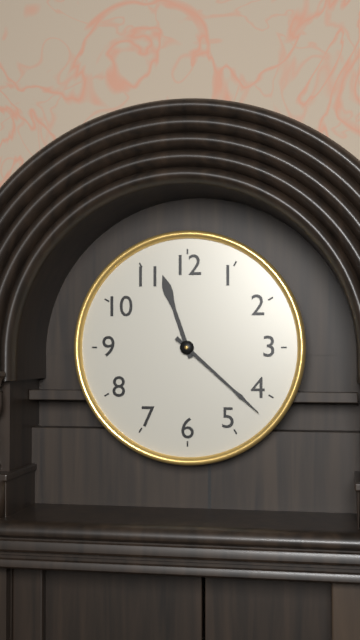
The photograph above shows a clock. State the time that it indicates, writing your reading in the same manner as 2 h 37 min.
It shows 11 h 22 min
